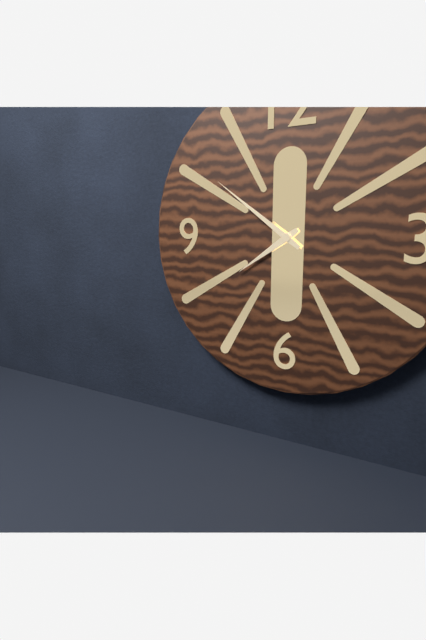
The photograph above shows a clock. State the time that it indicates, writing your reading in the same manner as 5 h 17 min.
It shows 7 h 51 min
